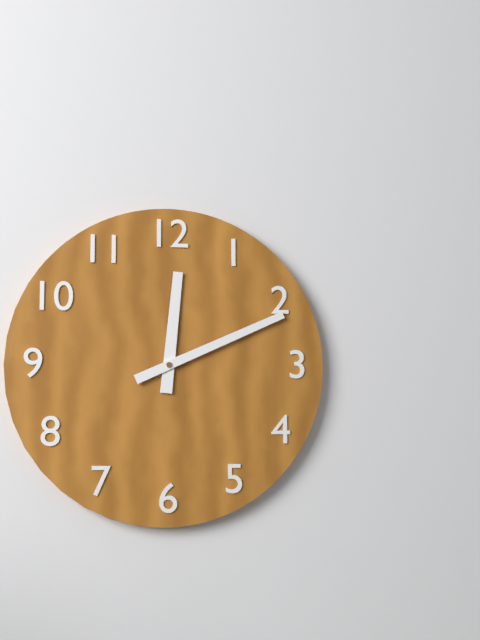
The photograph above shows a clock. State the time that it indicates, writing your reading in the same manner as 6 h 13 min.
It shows 12 h 11 min
